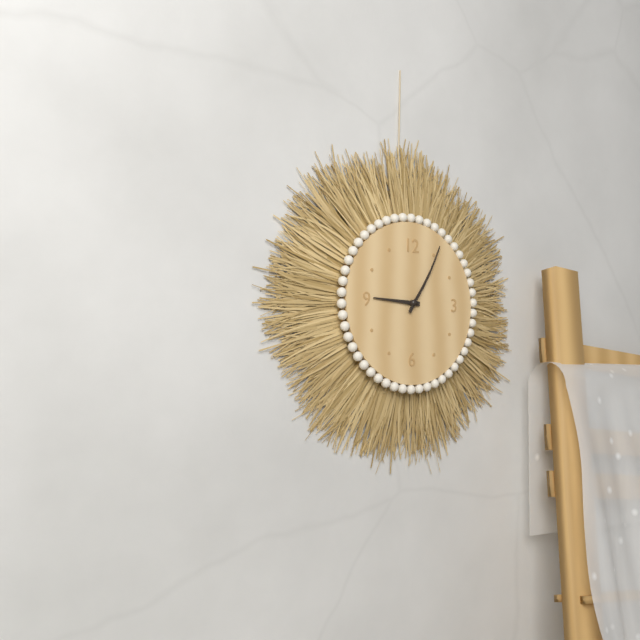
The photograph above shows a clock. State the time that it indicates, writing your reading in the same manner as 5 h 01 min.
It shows 9 h 05 min
